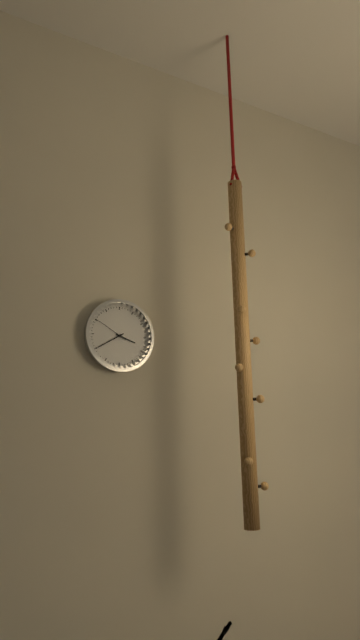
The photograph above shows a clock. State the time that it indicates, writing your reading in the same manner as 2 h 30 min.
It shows 3 h 40 min
